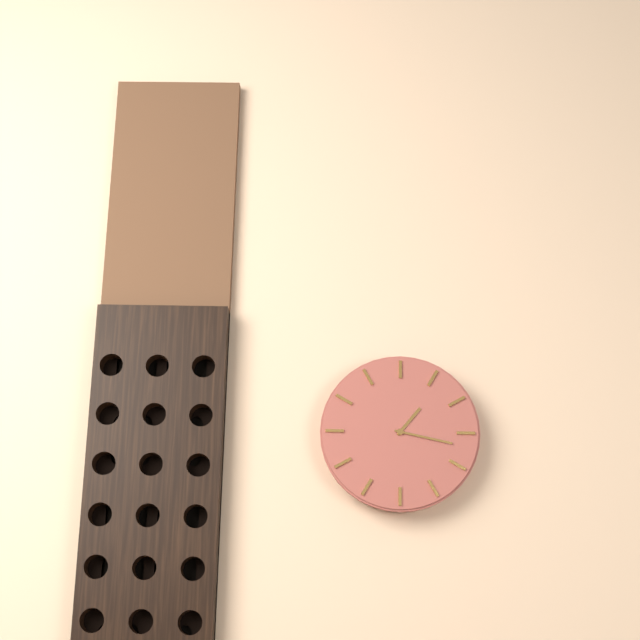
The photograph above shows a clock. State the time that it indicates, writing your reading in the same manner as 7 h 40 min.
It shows 1 h 17 min
